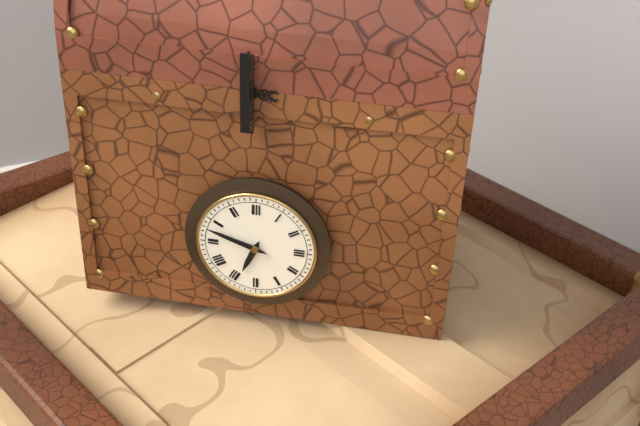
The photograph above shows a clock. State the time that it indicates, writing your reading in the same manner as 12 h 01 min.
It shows 6 h 48 min
